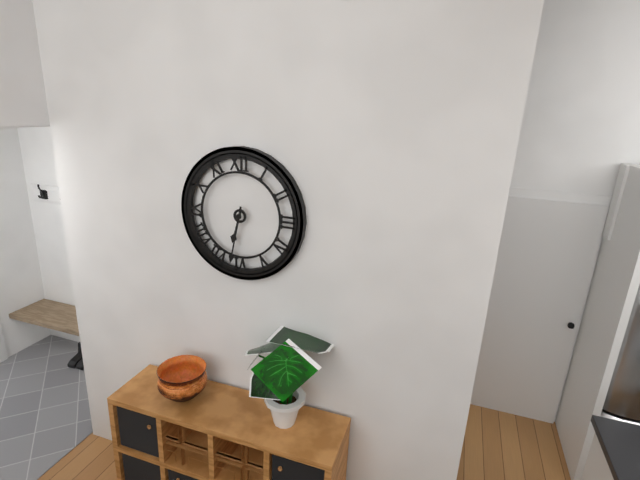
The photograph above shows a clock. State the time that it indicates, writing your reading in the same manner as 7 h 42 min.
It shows 6 h 32 min
